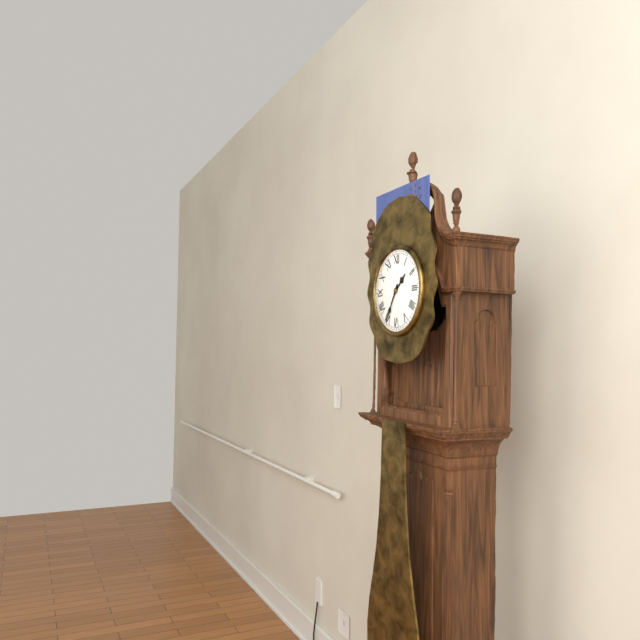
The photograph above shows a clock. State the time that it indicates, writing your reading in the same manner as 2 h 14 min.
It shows 1 h 35 min
